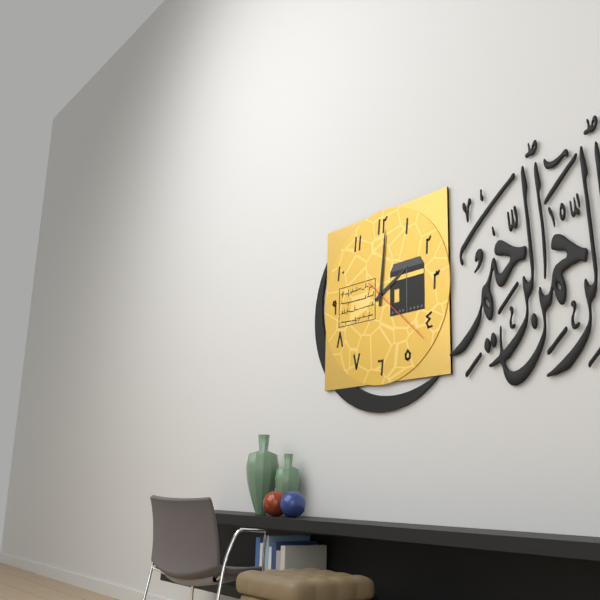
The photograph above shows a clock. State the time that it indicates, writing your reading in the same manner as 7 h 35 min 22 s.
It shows 2 h 01 min 22 s
